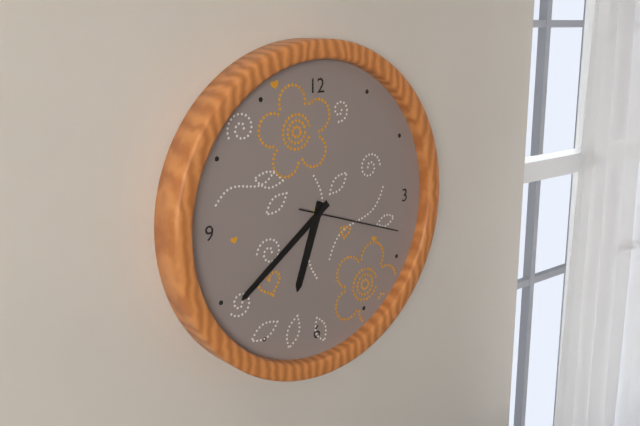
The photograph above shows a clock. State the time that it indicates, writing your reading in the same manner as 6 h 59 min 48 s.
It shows 6 h 39 min 18 s
